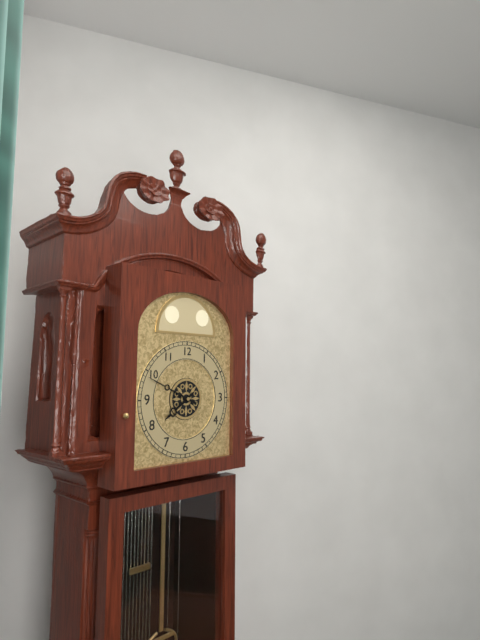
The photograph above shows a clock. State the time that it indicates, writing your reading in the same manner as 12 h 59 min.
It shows 7 h 49 min
